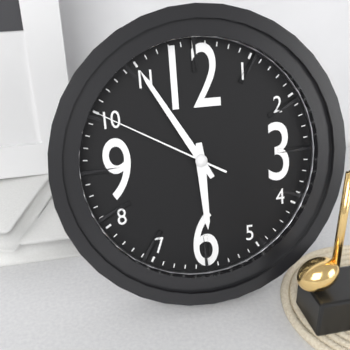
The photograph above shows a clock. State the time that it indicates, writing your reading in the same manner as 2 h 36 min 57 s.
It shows 5 h 55 min 50 s
